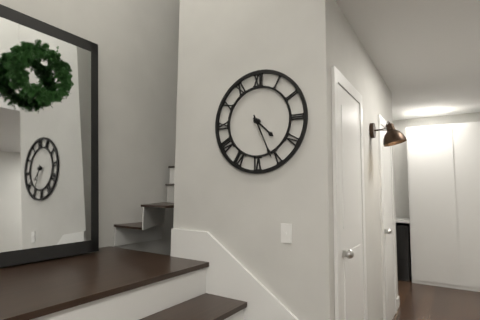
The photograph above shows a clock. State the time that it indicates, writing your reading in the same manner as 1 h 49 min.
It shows 4 h 26 min
